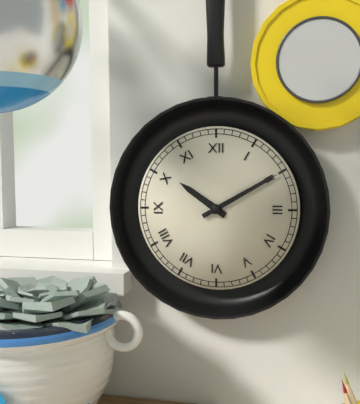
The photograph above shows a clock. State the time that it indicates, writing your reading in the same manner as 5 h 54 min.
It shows 10 h 10 min
